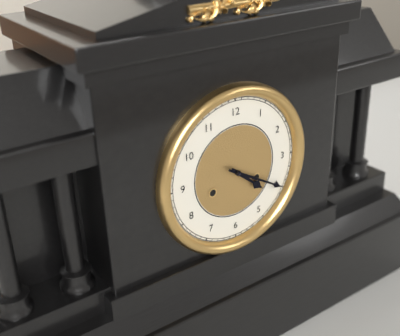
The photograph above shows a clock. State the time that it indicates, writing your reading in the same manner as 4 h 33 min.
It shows 4 h 20 min
